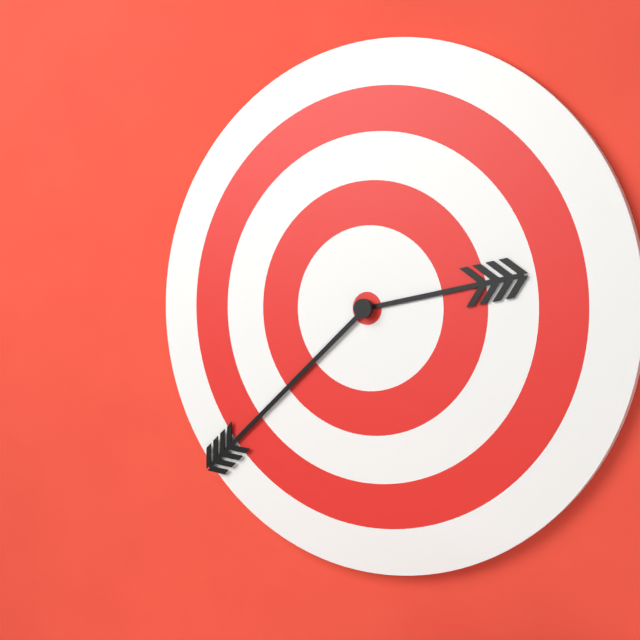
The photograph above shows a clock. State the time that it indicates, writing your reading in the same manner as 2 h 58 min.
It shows 2 h 38 min
